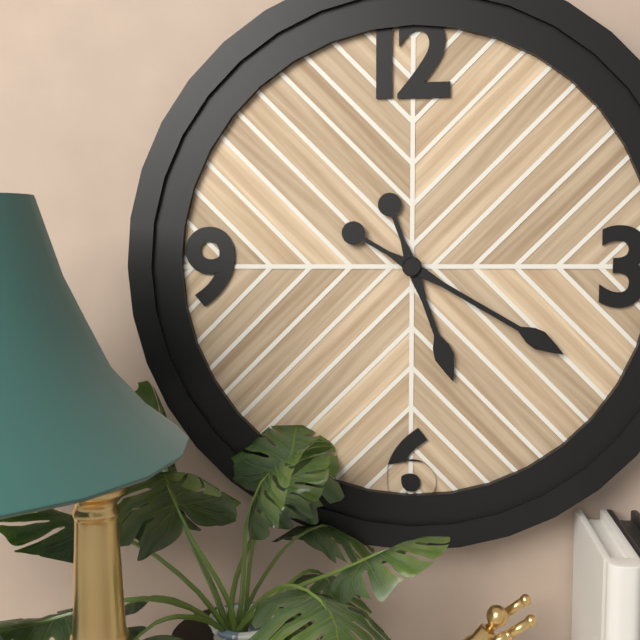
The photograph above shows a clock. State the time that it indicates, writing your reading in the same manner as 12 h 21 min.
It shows 5 h 20 min
